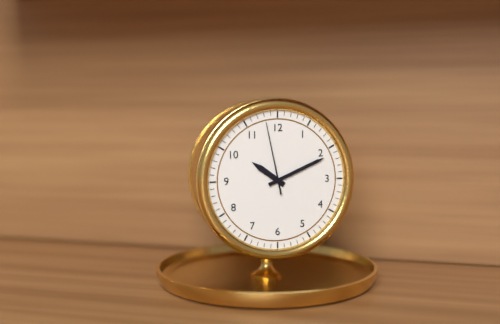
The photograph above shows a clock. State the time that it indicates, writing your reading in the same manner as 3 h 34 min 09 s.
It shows 10 h 11 min 58 s
